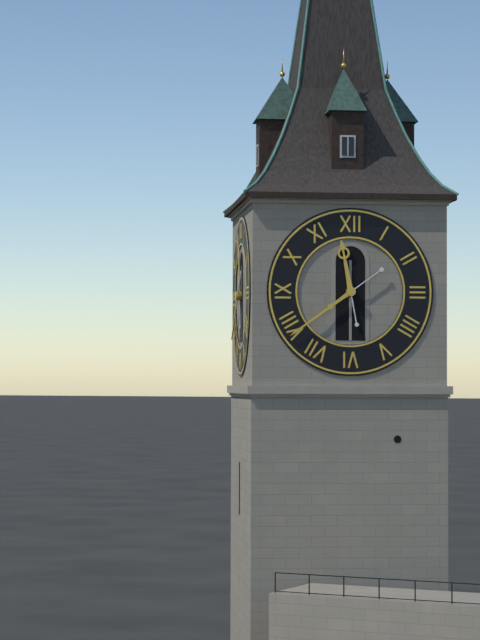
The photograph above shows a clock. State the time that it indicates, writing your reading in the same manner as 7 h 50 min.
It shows 11 h 39 min
